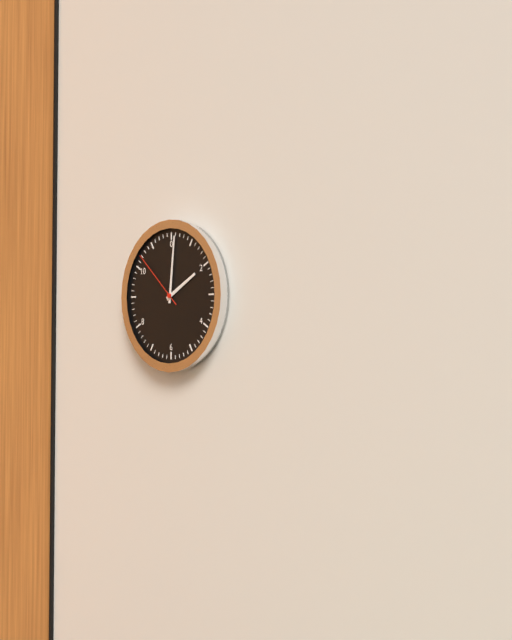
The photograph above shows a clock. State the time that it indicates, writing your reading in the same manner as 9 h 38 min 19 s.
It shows 2 h 01 min 52 s
